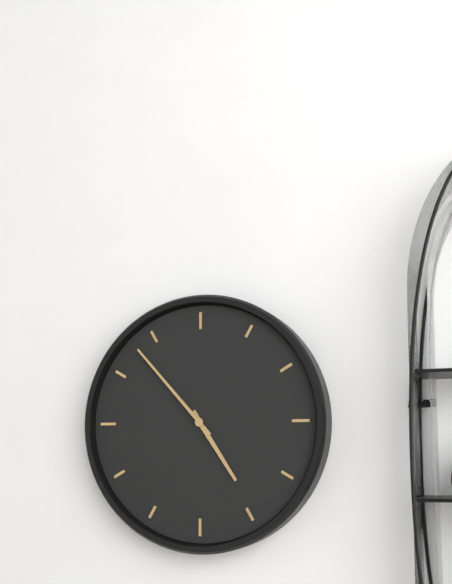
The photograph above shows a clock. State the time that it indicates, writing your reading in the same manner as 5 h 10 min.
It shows 4 h 53 min
